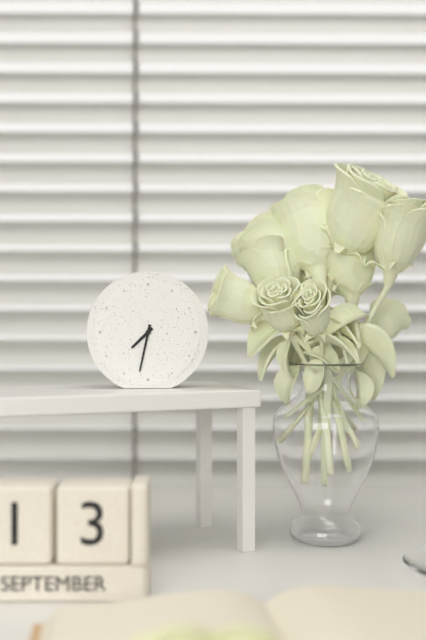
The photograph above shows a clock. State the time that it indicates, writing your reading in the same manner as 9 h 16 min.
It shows 7 h 32 min
